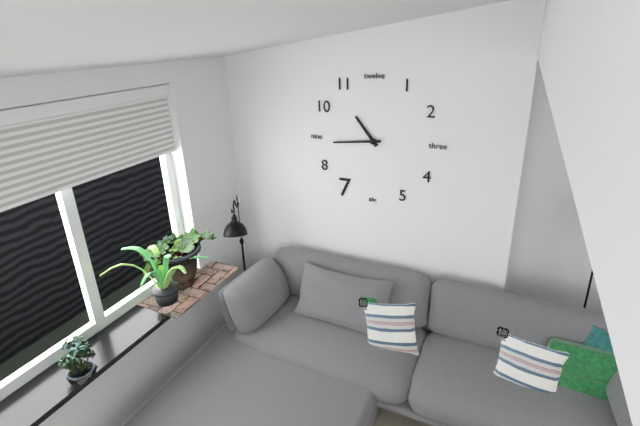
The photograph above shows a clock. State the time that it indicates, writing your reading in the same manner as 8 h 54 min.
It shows 10 h 44 min
